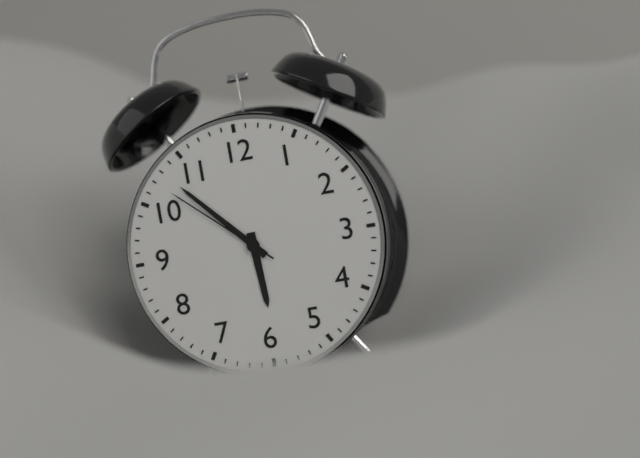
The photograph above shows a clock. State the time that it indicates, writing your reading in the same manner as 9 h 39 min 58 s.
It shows 5 h 53 min 52 s
